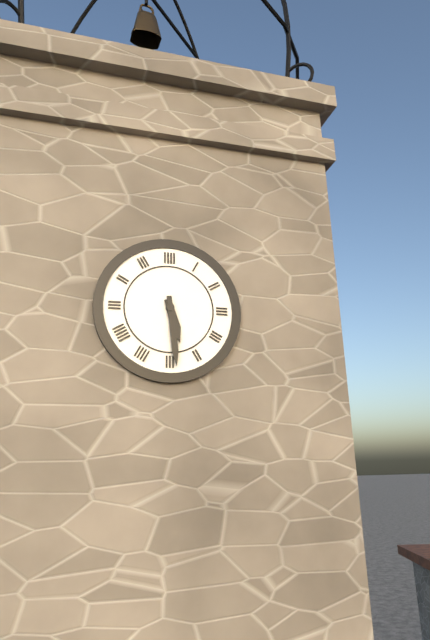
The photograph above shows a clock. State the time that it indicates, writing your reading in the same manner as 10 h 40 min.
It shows 5 h 29 min
